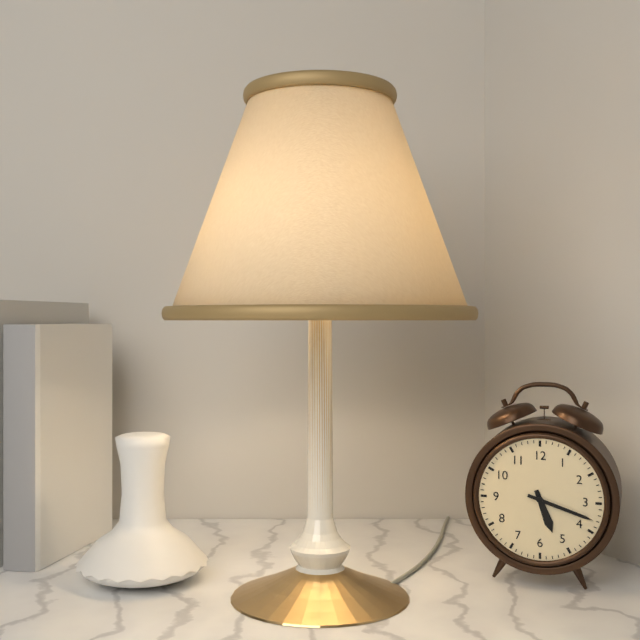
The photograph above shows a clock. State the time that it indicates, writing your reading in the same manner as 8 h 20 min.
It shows 5 h 18 min
